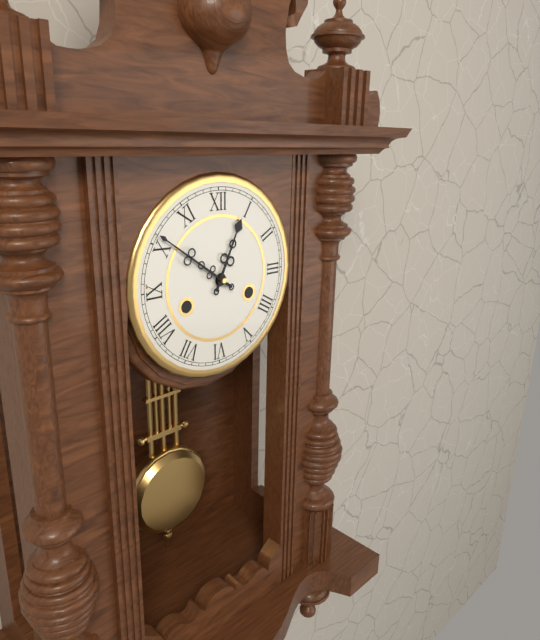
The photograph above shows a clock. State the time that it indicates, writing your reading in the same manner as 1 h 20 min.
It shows 12 h 51 min
